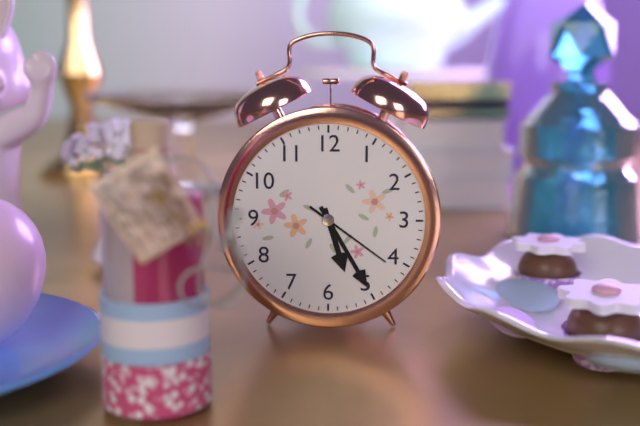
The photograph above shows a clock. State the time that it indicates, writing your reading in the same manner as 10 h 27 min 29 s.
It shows 5 h 25 min 21 s
